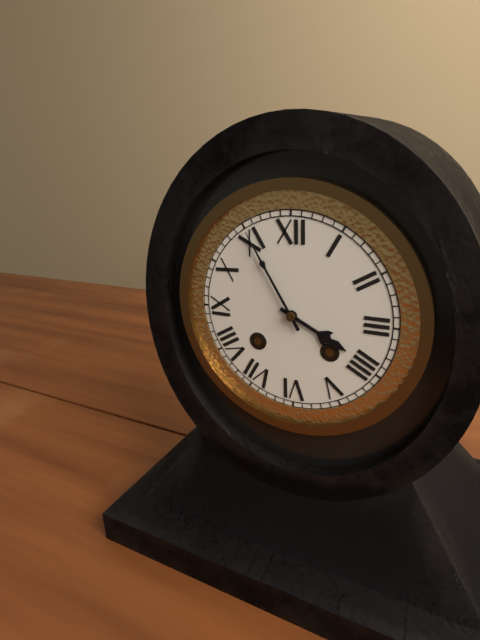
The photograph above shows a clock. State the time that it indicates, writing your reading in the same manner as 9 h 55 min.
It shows 3 h 55 min
